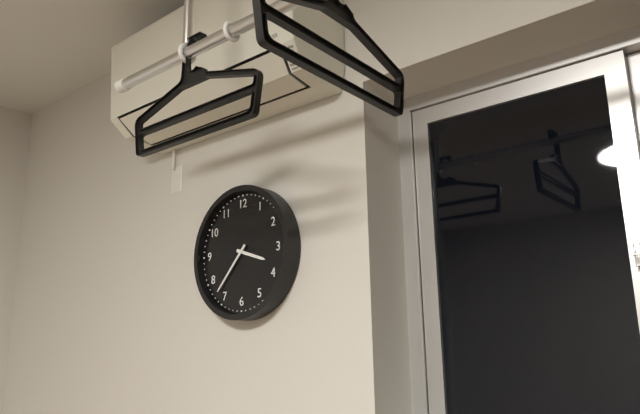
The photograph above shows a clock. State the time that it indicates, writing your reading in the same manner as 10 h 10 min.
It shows 3 h 37 min
